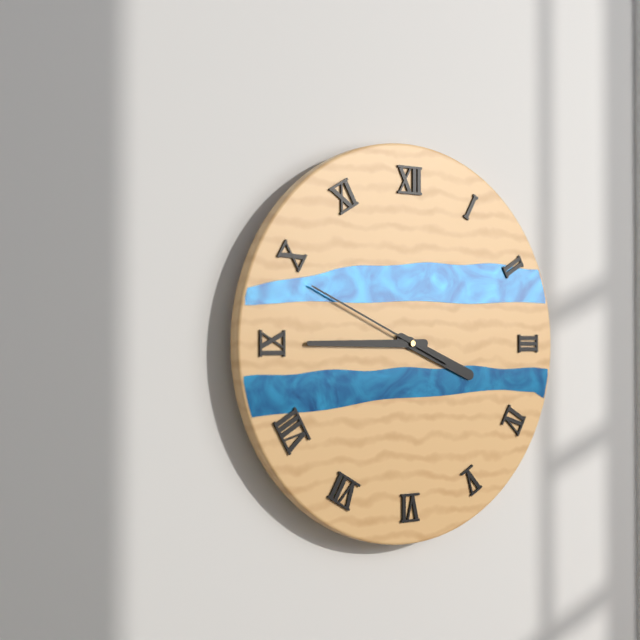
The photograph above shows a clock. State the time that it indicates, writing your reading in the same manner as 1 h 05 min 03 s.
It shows 3 h 45 min 49 s
